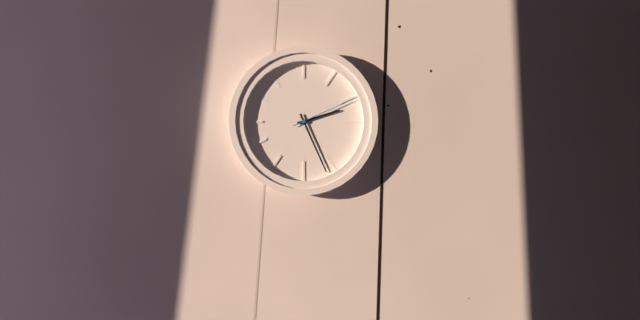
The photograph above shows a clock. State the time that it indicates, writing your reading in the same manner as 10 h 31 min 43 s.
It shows 2 h 26 min 11 s
